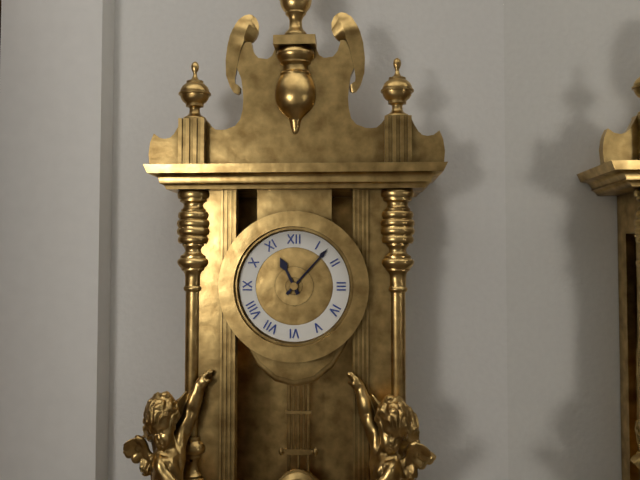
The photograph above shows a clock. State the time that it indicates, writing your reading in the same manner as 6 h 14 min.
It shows 11 h 07 min
